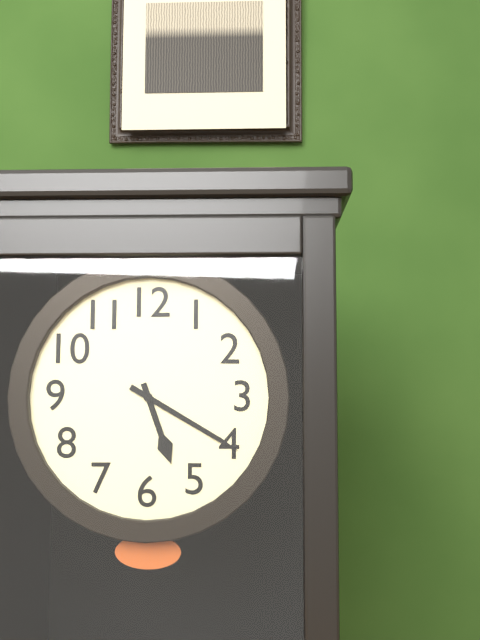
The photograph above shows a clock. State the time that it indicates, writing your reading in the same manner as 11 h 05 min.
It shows 5 h 20 min
